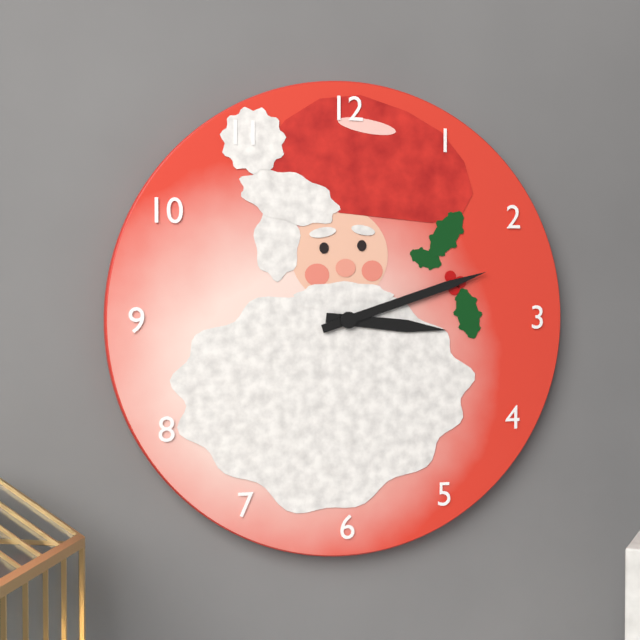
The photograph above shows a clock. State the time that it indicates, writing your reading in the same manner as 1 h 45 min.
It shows 3 h 12 min
